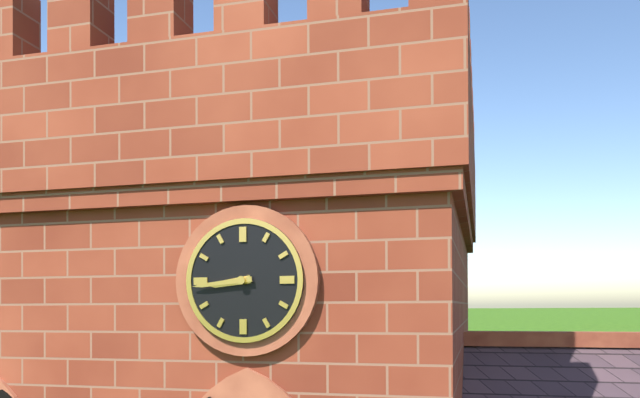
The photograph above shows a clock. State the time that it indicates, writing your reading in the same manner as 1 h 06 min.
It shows 8 h 44 min
